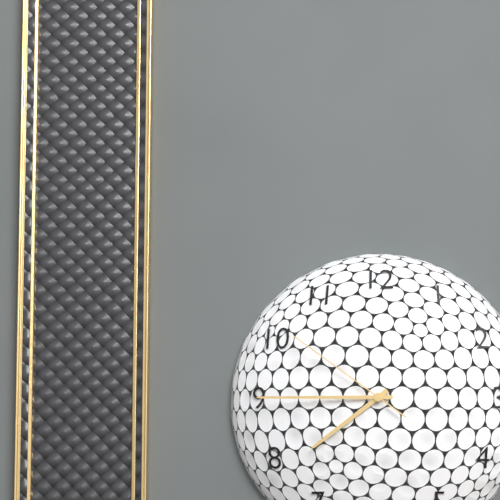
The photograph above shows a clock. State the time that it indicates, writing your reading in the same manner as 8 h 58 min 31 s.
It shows 7 h 45 min 51 s
